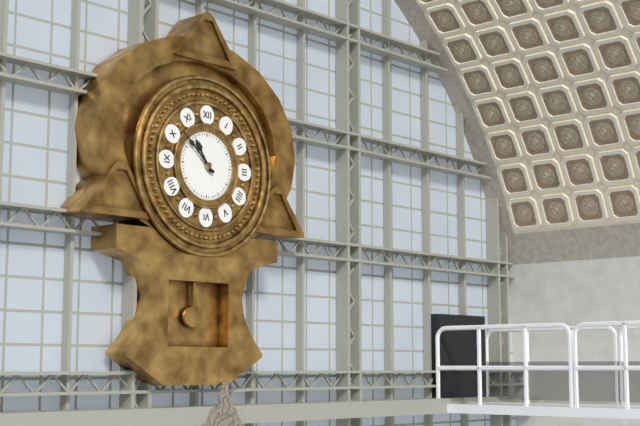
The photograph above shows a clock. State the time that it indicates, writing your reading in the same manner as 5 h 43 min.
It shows 10 h 52 min
